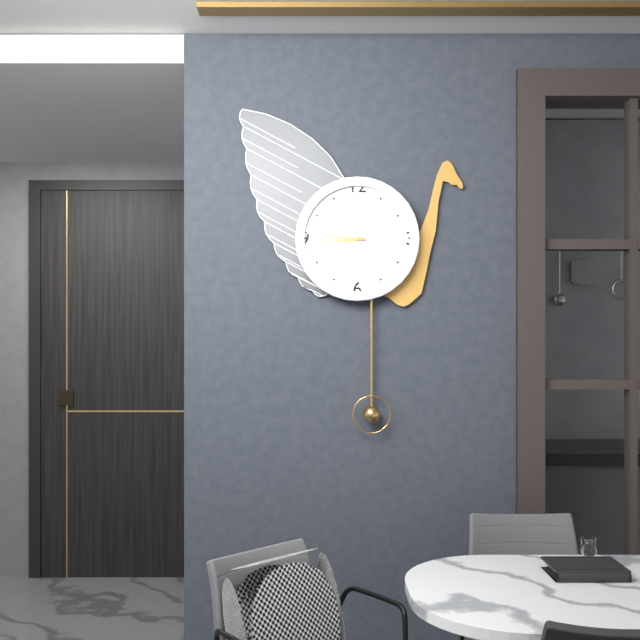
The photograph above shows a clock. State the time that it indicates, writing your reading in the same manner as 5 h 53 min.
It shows 8 h 46 min
